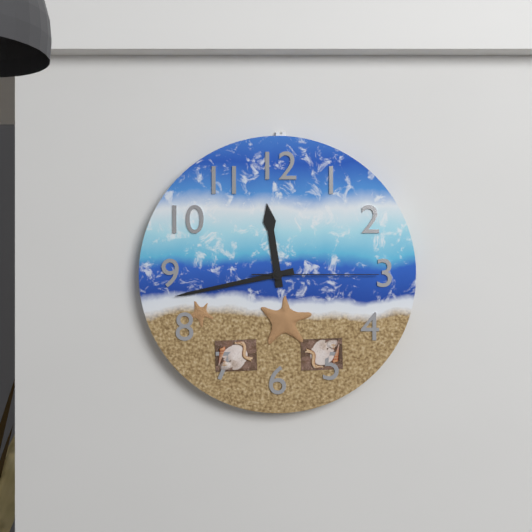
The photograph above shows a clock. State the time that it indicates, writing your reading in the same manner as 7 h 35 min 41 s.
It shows 11 h 43 min 15 s
